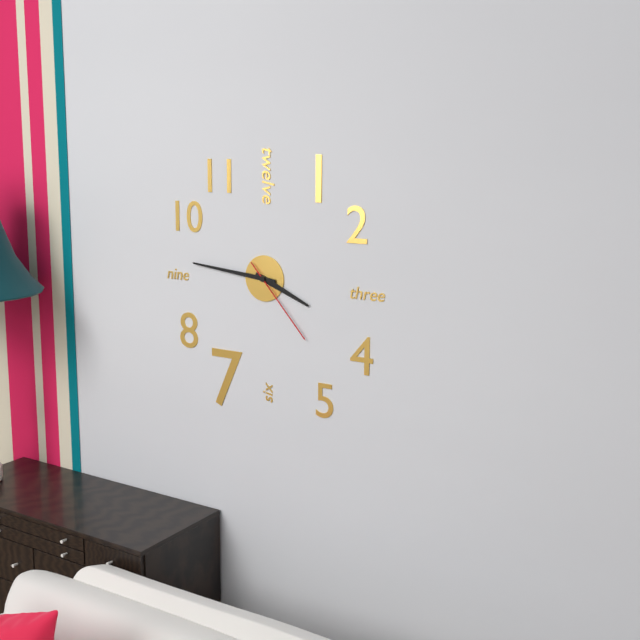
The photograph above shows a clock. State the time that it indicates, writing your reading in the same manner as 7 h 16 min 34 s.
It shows 3 h 46 min 23 s
